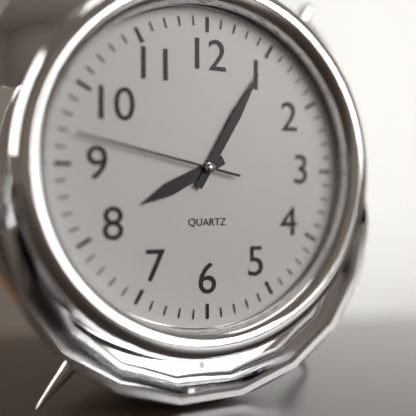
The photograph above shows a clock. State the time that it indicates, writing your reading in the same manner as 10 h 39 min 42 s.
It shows 8 h 05 min 47 s
